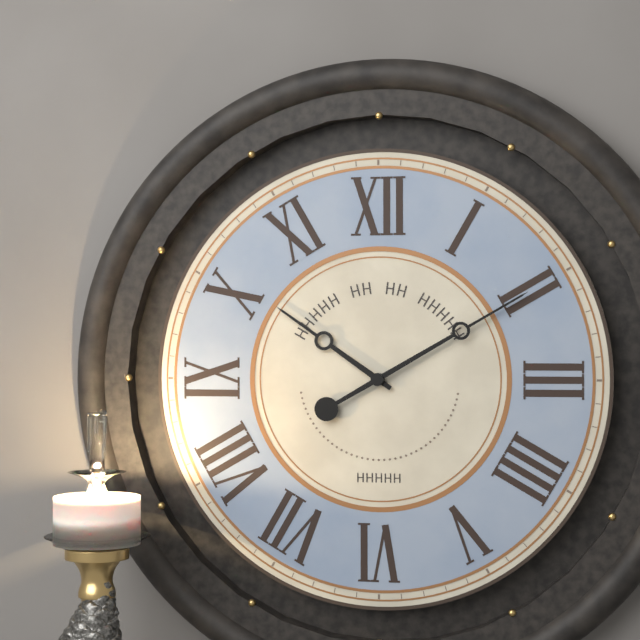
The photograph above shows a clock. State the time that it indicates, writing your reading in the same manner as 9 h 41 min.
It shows 10 h 10 min
